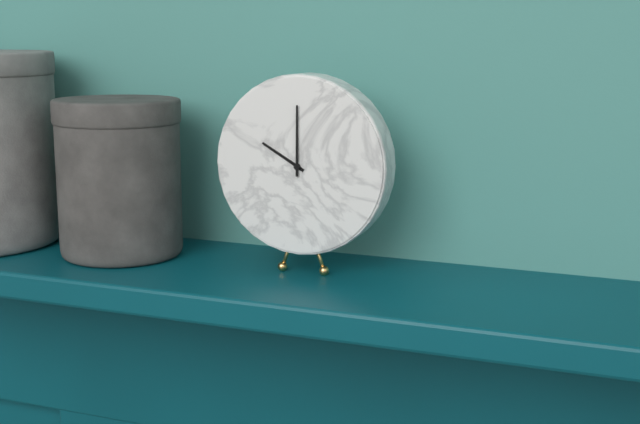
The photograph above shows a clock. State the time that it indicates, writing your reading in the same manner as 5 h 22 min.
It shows 10 h 00 min
